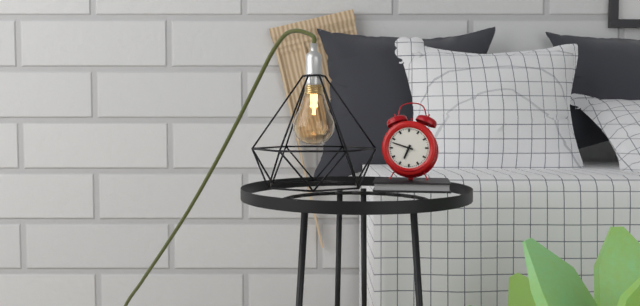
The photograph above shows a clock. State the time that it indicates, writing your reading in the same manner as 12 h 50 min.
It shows 6 h 48 min
